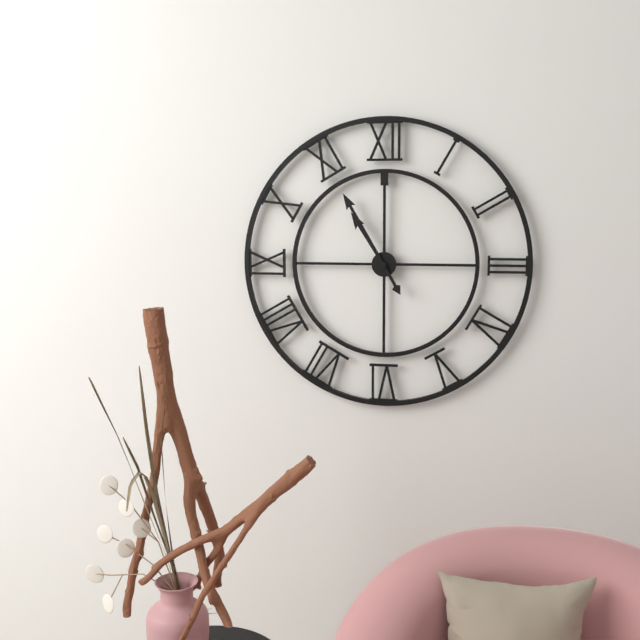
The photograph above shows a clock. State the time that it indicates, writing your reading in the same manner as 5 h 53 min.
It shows 10 h 55 min
